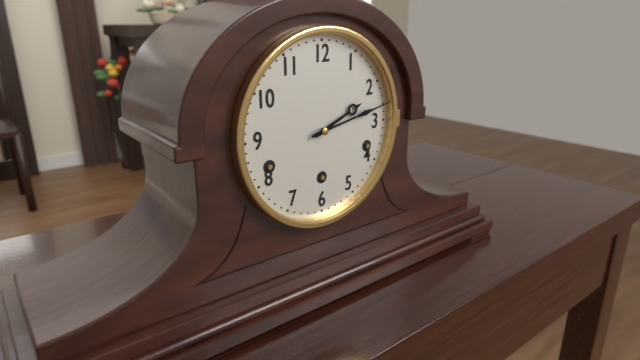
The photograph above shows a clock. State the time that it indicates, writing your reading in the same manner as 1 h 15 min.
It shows 2 h 13 min
